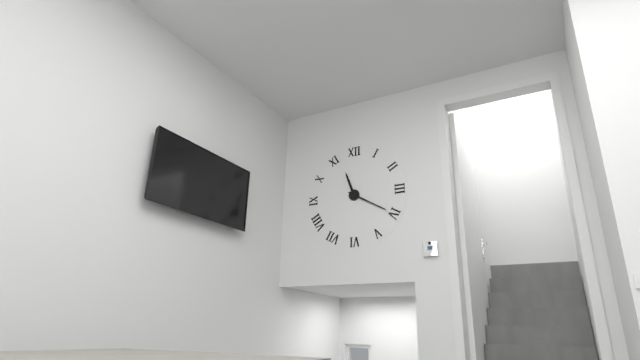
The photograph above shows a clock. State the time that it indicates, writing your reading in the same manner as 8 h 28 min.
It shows 11 h 20 min
